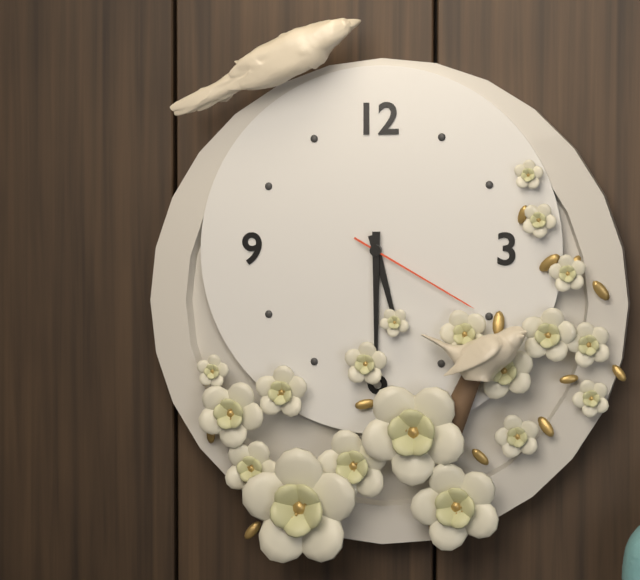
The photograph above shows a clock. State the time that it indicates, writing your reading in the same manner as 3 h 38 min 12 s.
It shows 5 h 30 min 20 s
